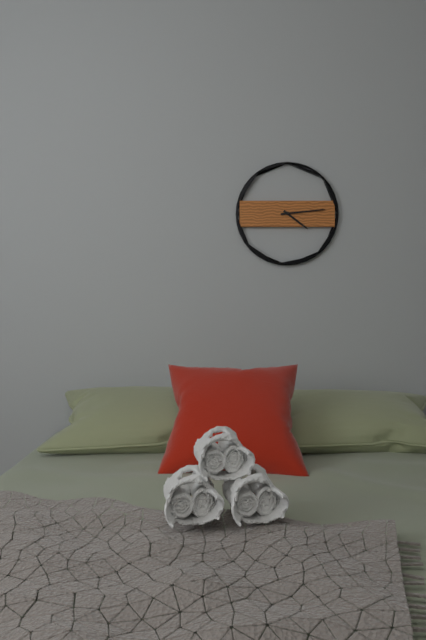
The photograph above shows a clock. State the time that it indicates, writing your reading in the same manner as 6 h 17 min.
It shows 4 h 14 min
